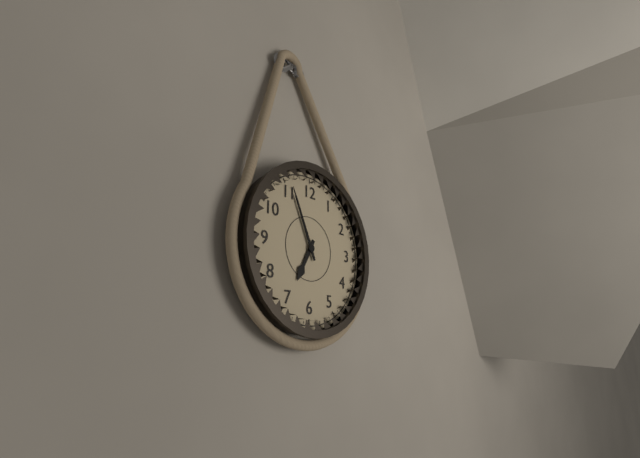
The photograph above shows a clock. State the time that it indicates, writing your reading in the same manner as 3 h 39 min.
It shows 6 h 56 min
